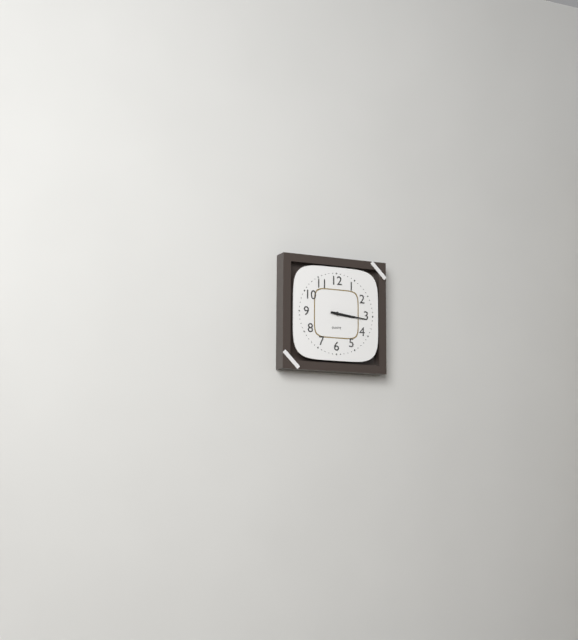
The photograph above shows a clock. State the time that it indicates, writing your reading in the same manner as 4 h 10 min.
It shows 3 h 16 min
